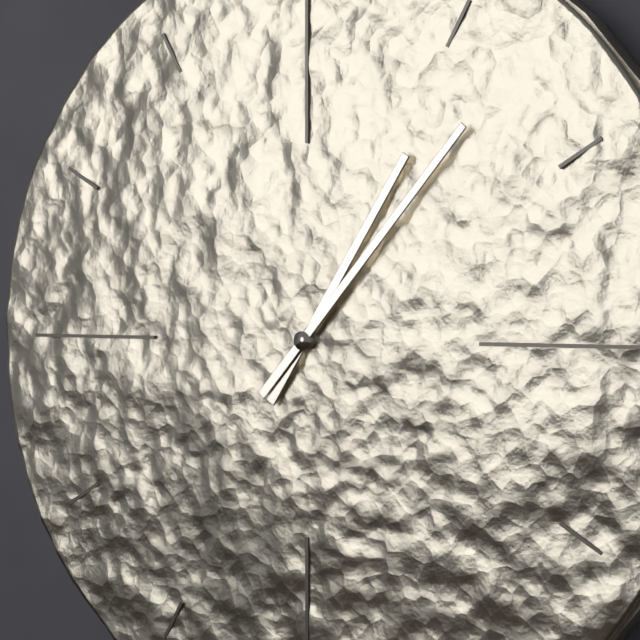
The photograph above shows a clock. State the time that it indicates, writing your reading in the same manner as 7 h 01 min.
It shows 1 h 07 min
